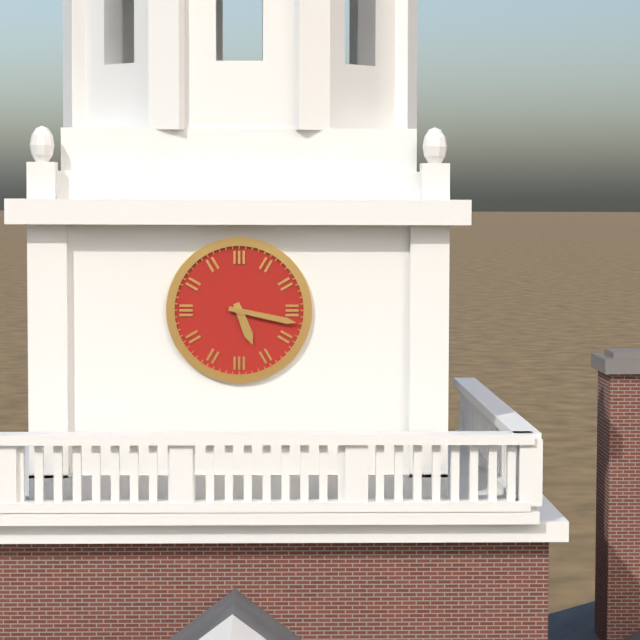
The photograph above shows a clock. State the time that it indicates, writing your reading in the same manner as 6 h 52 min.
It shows 5 h 17 min
